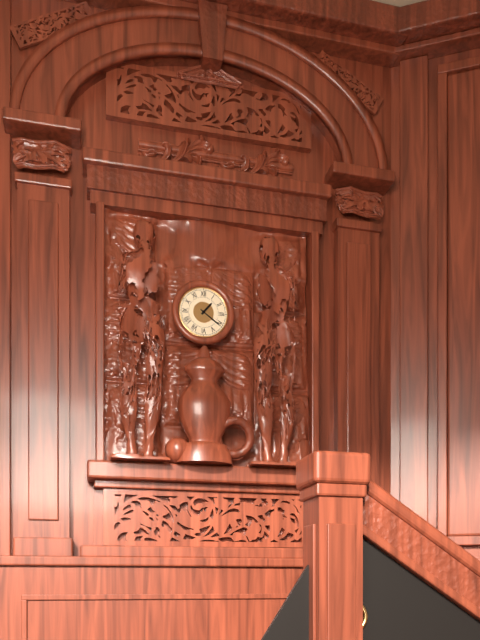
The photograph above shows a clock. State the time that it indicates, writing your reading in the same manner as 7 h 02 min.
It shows 1 h 21 min
